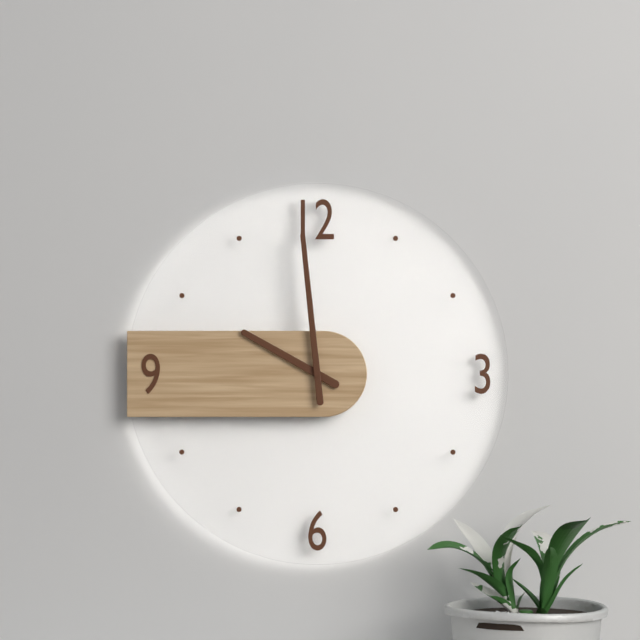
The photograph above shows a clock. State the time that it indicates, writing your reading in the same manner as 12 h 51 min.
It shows 9 h 59 min
